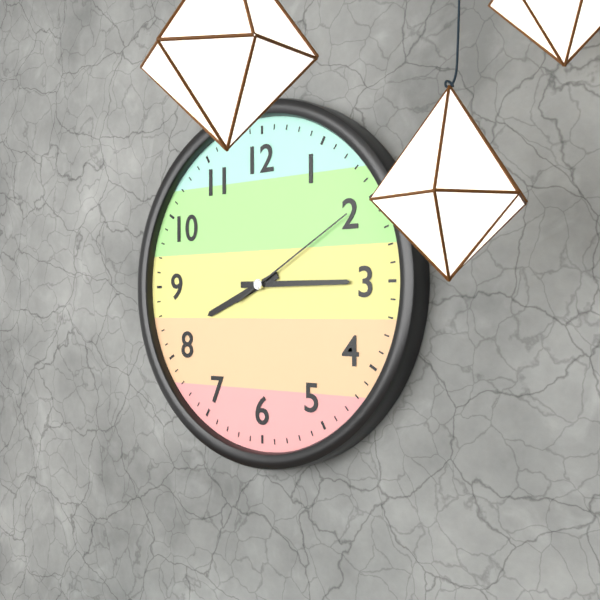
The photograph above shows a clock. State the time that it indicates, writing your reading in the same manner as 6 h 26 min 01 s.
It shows 8 h 15 min 10 s
